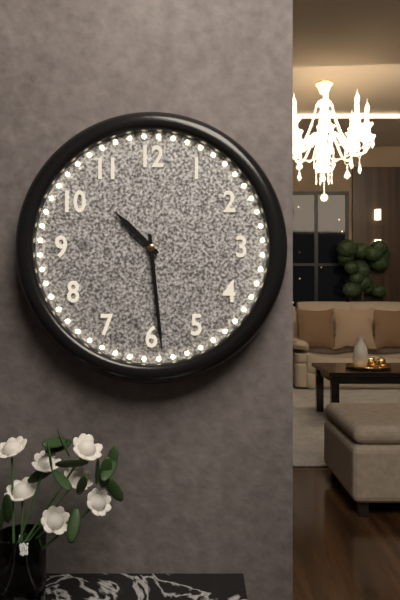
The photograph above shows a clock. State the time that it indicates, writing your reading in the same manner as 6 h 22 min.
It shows 10 h 29 min
